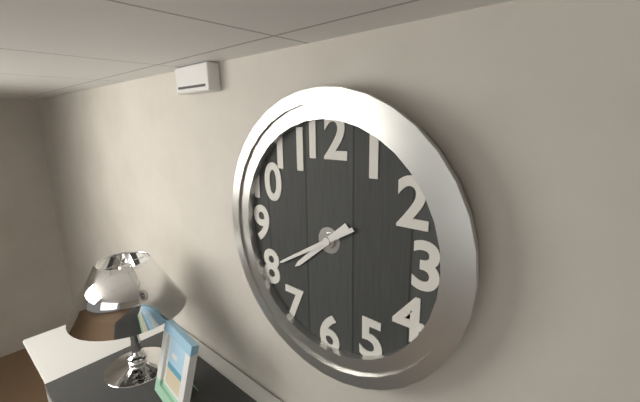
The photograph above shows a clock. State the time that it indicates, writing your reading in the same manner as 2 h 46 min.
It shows 7 h 40 min
